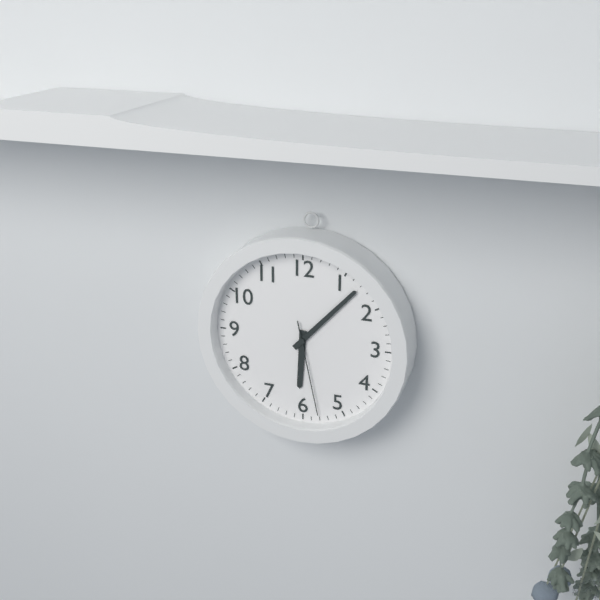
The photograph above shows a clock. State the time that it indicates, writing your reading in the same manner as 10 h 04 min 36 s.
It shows 6 h 07 min 28 s
